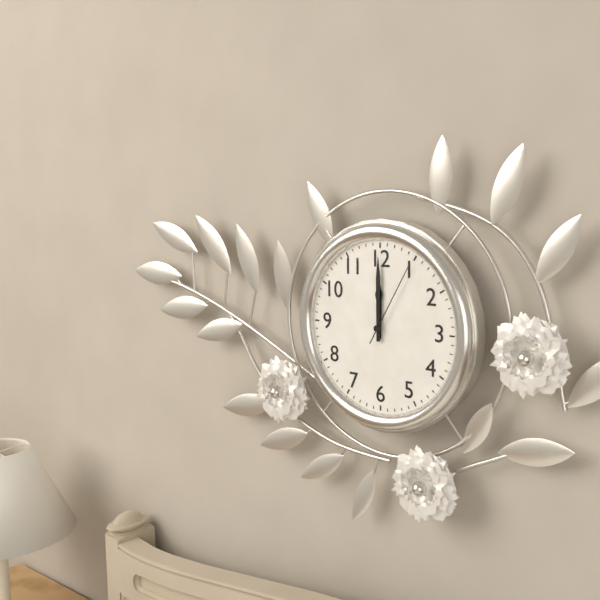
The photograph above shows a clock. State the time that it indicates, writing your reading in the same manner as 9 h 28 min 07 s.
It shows 12 h 00 min 05 s
